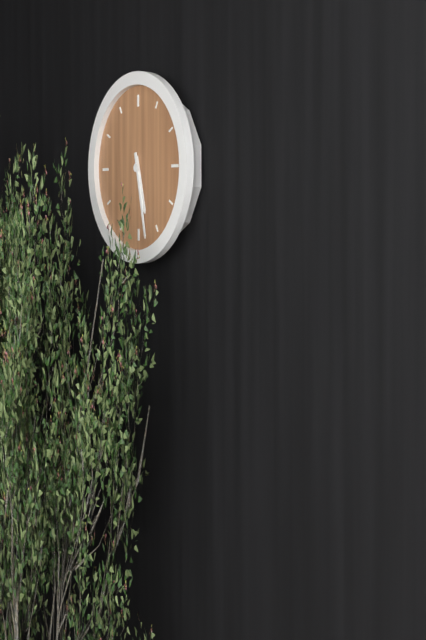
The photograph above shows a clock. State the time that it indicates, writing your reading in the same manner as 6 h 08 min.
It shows 5 h 28 min
